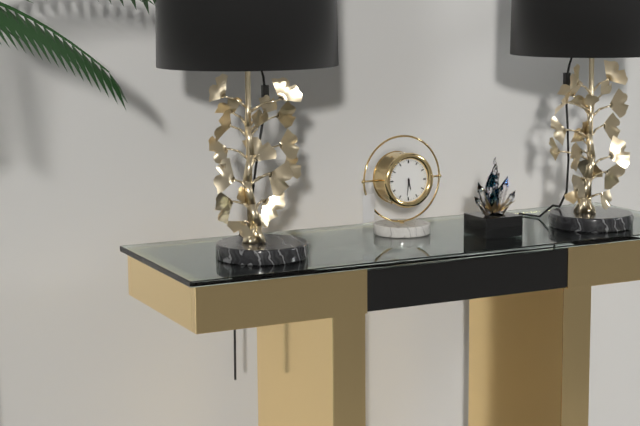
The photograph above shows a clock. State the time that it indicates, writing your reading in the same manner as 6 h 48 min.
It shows 5 h 31 min
